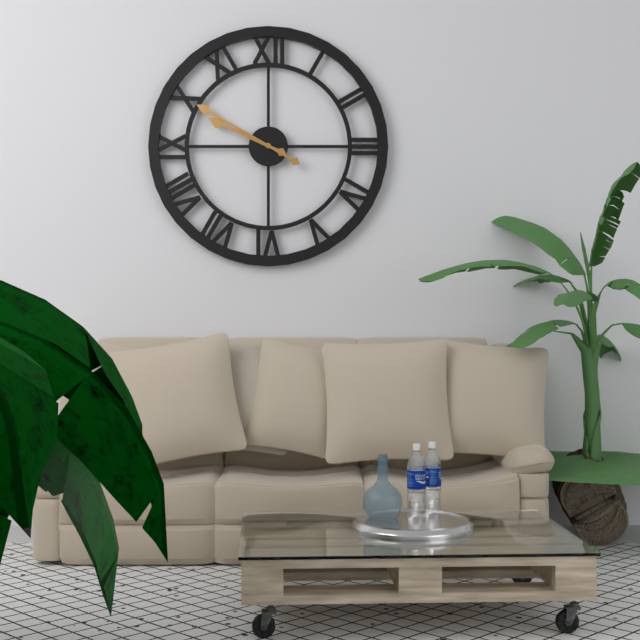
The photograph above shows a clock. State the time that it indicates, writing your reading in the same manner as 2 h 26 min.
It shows 9 h 50 min
